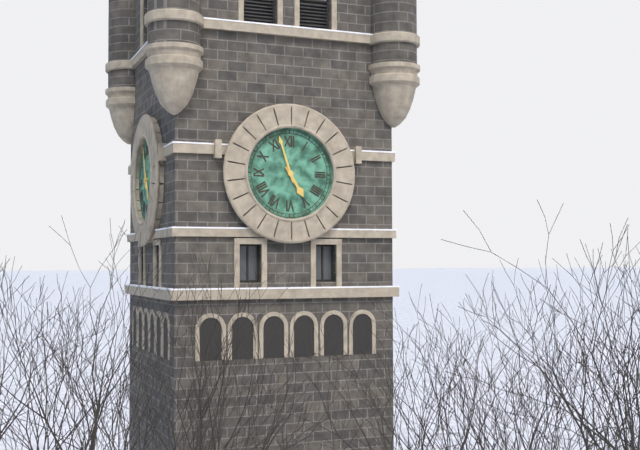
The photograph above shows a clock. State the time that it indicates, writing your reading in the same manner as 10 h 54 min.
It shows 4 h 57 min
